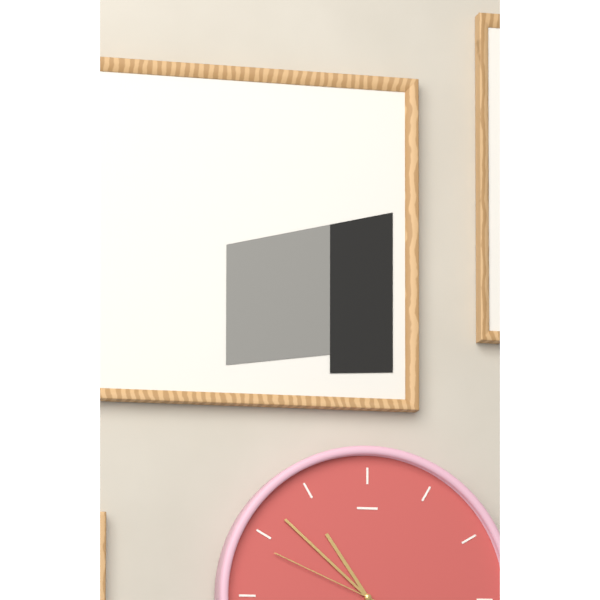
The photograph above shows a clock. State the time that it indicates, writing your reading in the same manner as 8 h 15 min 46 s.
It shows 10 h 52 min 49 s
